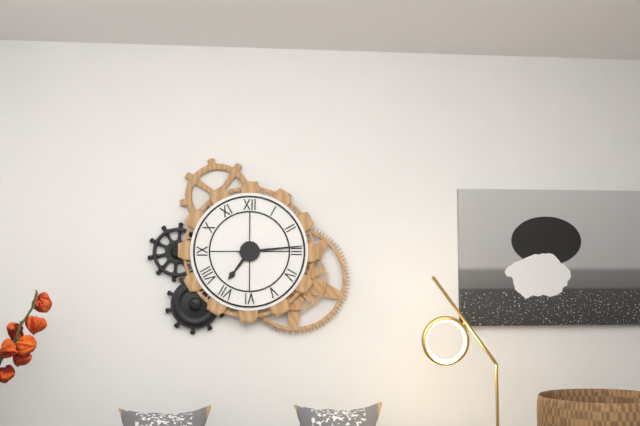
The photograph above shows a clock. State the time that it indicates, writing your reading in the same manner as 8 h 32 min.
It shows 7 h 14 min
